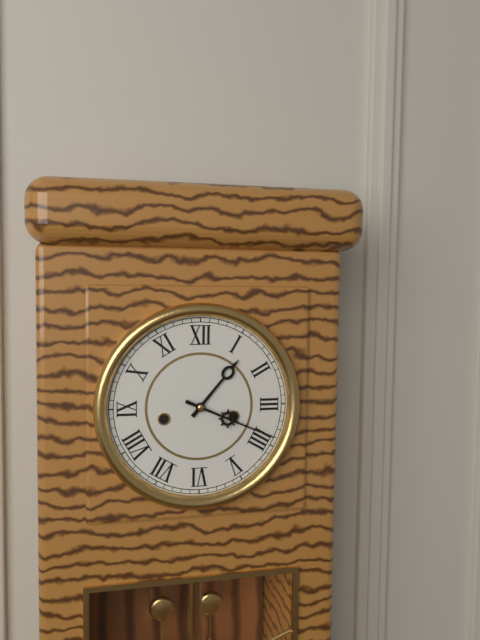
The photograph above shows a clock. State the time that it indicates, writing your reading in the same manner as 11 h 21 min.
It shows 1 h 19 min
